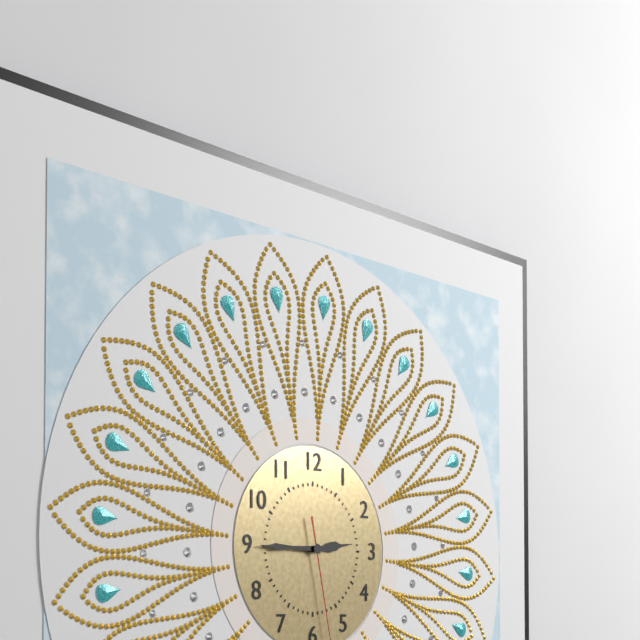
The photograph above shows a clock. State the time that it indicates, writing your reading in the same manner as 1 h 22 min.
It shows 2 h 45 min
